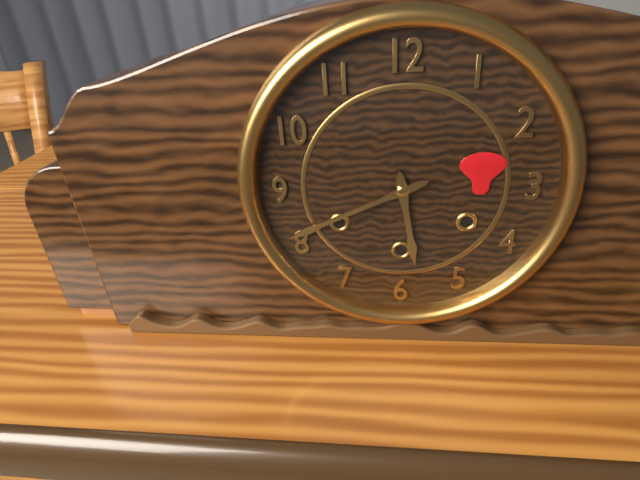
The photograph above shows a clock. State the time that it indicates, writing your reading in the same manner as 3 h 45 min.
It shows 5 h 41 min
